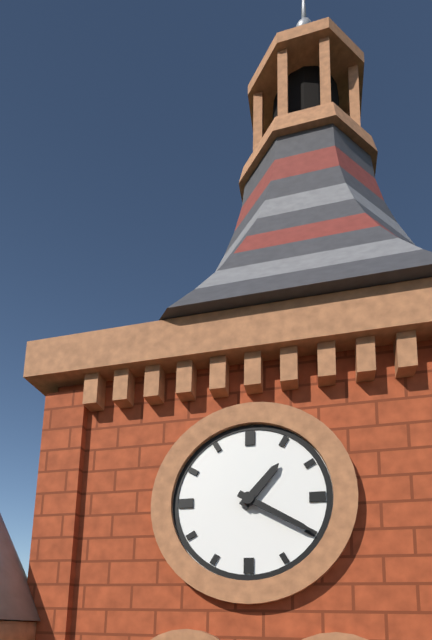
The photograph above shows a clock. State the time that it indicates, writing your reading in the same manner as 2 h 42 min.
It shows 1 h 20 min
